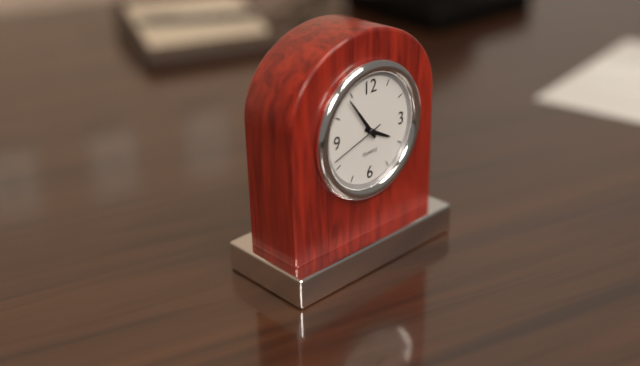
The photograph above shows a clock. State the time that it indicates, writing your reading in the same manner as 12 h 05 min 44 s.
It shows 3 h 54 min 42 s
